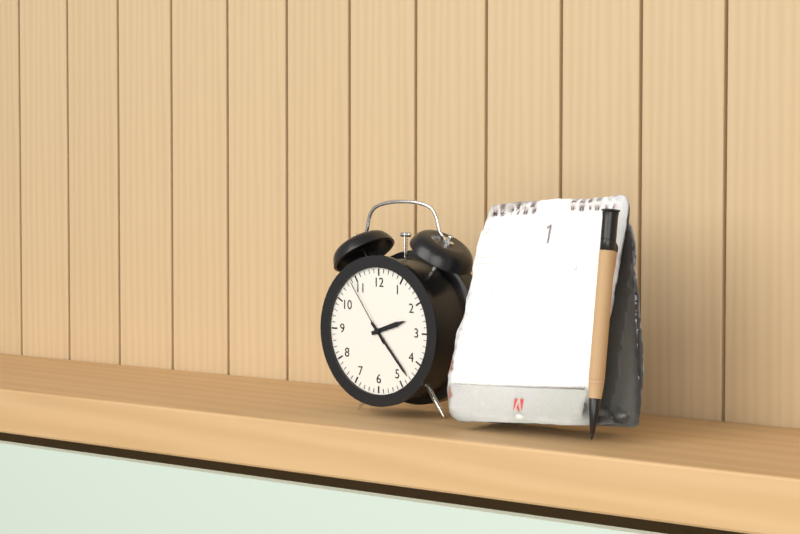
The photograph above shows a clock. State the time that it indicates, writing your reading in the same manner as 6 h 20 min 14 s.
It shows 2 h 23 min 54 s
